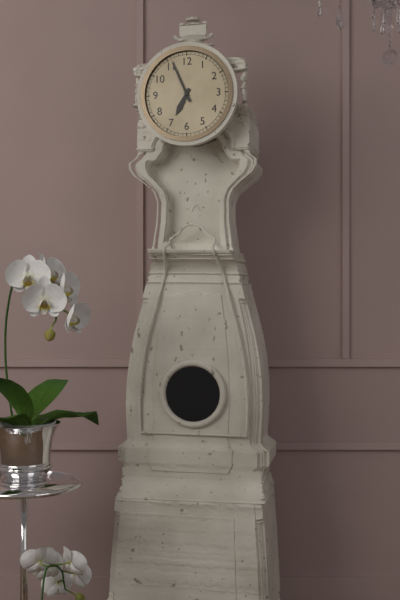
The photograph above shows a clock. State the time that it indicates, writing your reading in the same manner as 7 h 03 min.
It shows 6 h 56 min
